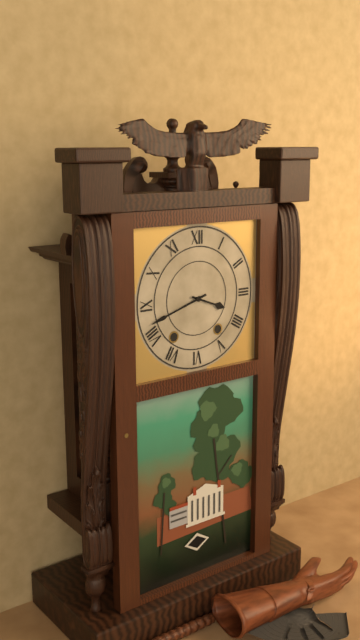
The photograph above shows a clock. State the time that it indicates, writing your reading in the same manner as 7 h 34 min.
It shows 3 h 42 min
